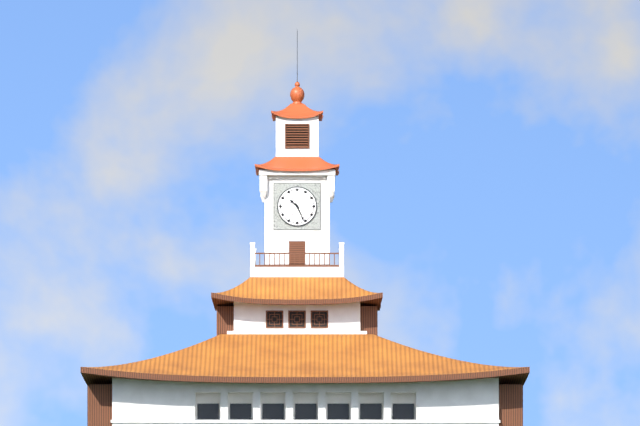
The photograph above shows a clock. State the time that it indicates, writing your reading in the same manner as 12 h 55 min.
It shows 10 h 26 min
